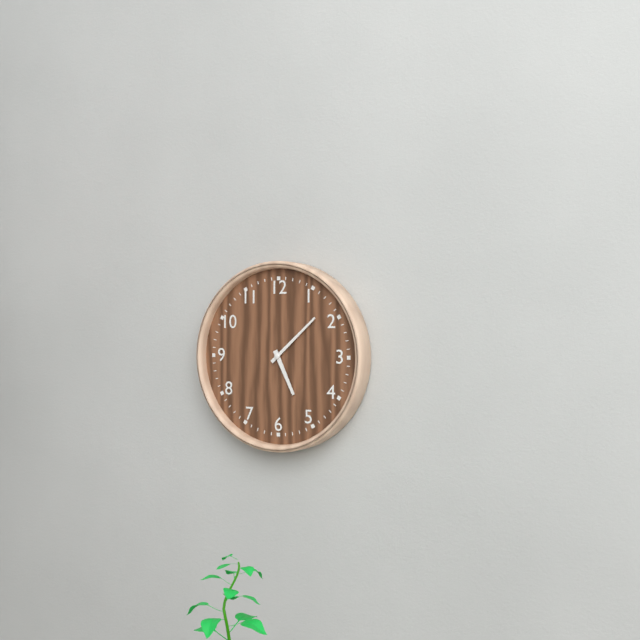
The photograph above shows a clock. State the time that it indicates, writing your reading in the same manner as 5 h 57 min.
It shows 5 h 08 min
